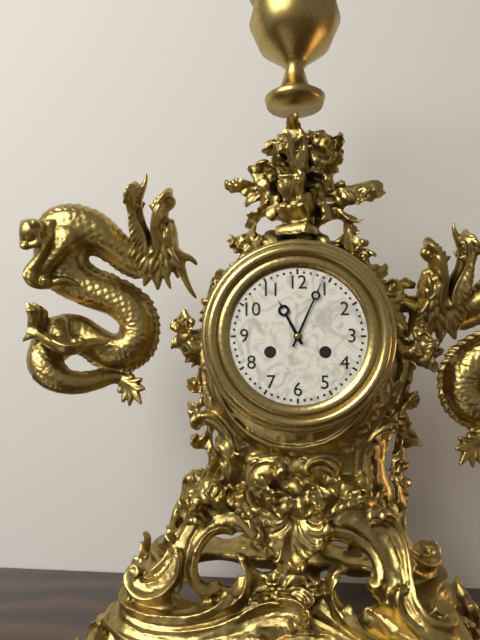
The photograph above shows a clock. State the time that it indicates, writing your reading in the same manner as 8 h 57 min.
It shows 11 h 04 min
